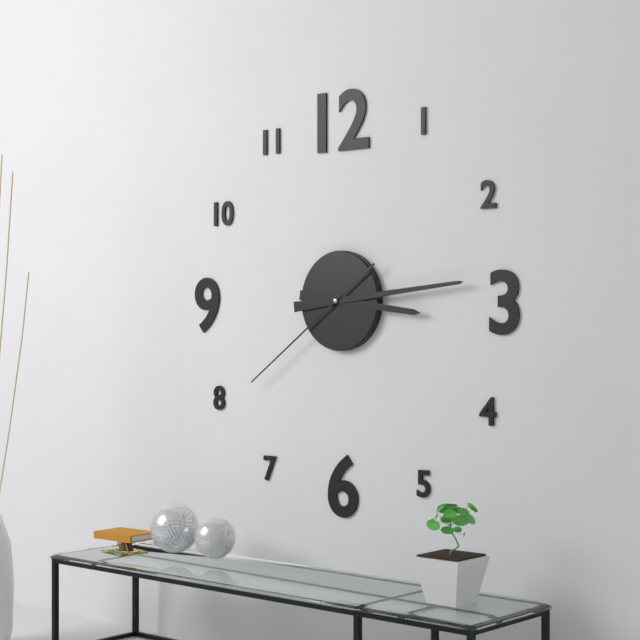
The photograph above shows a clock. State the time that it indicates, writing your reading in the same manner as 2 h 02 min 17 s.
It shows 3 h 14 min 39 s
